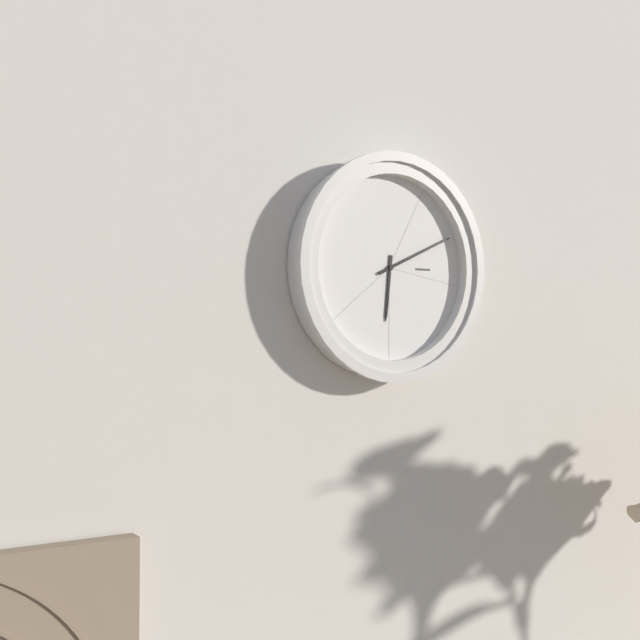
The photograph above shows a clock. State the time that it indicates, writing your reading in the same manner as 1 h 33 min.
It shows 6 h 11 min
